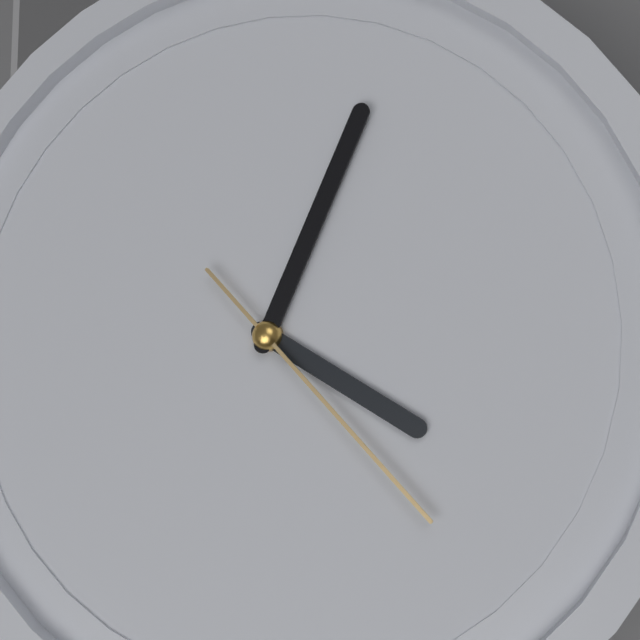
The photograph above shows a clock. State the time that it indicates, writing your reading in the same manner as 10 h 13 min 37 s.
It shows 4 h 04 min 23 s
